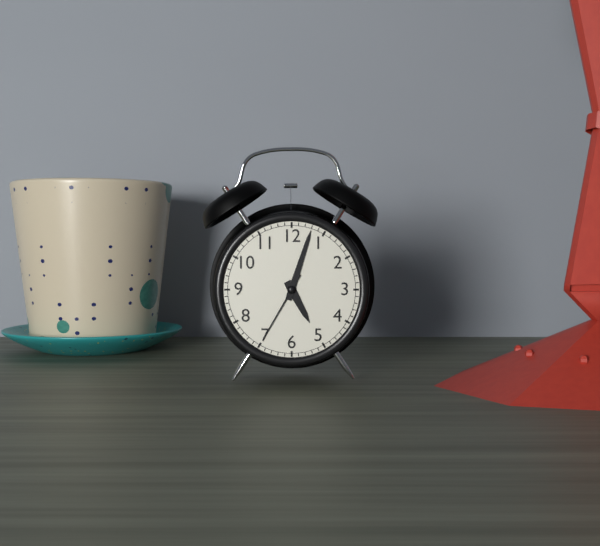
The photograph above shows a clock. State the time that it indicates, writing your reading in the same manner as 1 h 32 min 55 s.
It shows 5 h 03 min 35 s
